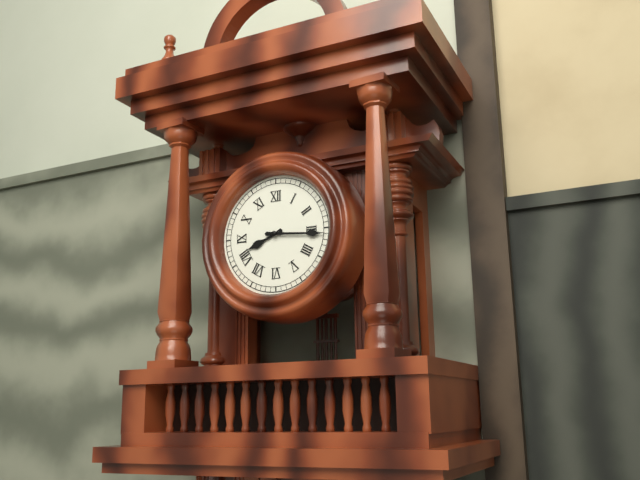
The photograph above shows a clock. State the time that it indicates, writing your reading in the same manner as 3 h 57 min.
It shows 8 h 16 min
